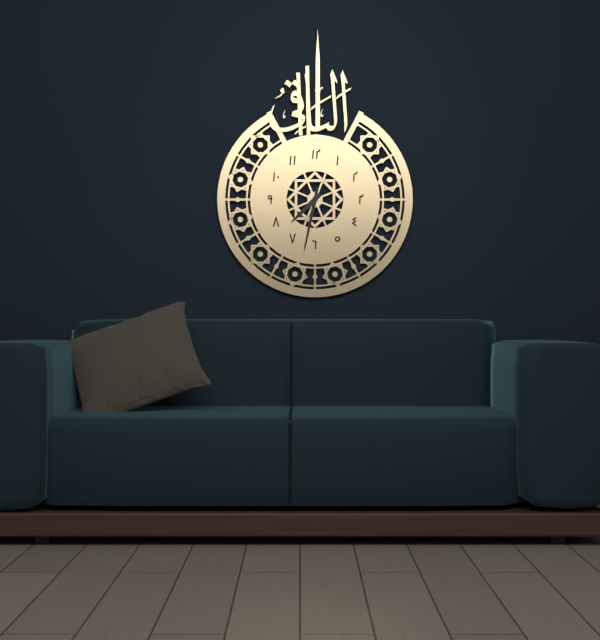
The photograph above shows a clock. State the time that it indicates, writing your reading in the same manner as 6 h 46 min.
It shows 7 h 32 min
